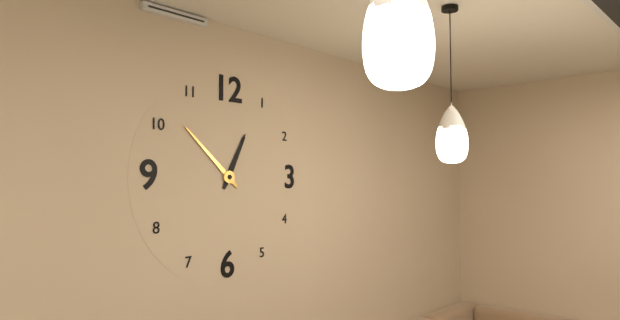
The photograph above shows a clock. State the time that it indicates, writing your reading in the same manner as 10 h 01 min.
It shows 12 h 52 min
